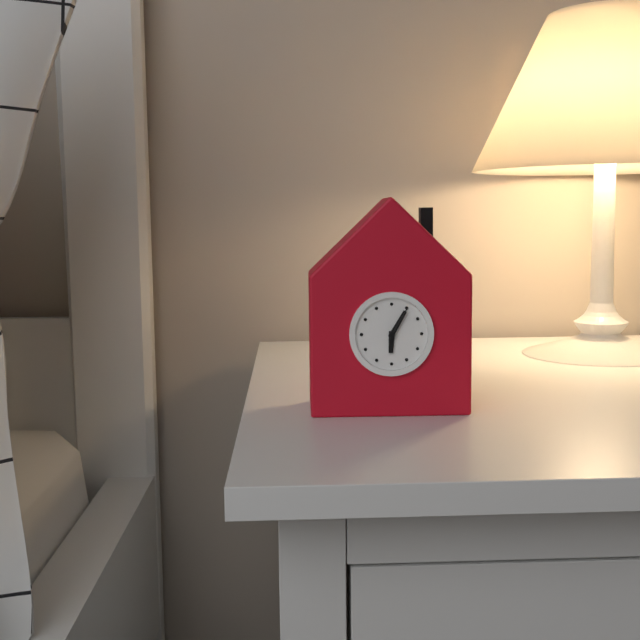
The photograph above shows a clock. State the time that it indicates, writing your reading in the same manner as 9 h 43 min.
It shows 6 h 05 min
